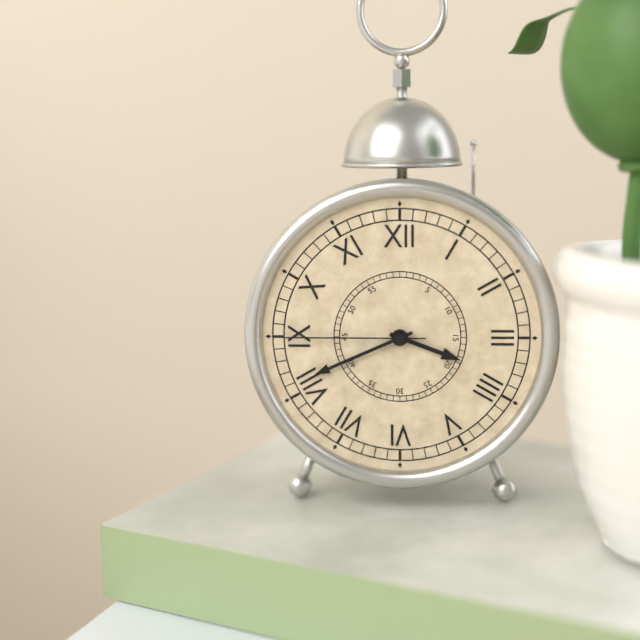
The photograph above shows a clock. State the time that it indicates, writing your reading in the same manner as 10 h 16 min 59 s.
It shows 3 h 41 min 45 s
